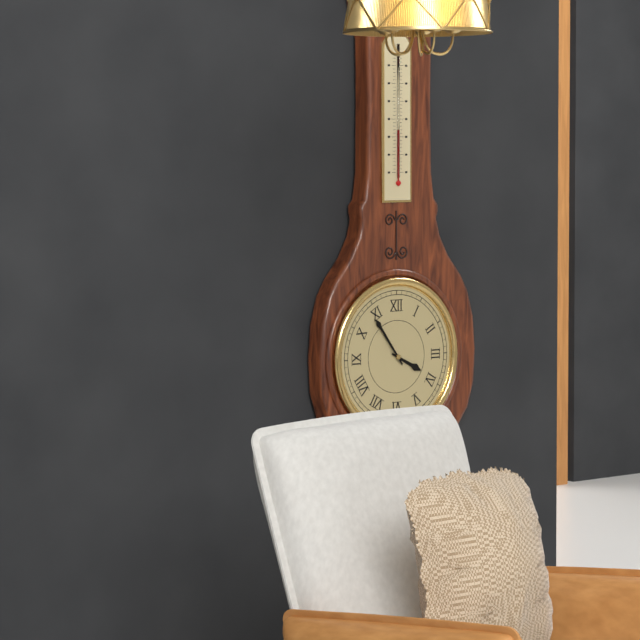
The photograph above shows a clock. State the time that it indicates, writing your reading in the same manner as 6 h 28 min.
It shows 3 h 54 min
